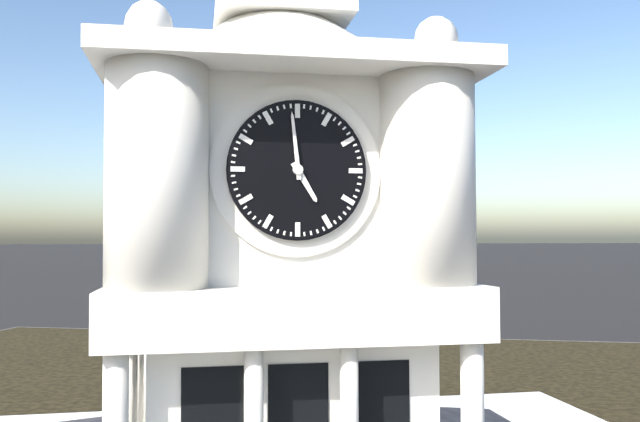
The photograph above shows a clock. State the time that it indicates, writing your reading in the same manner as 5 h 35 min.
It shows 4 h 59 min
